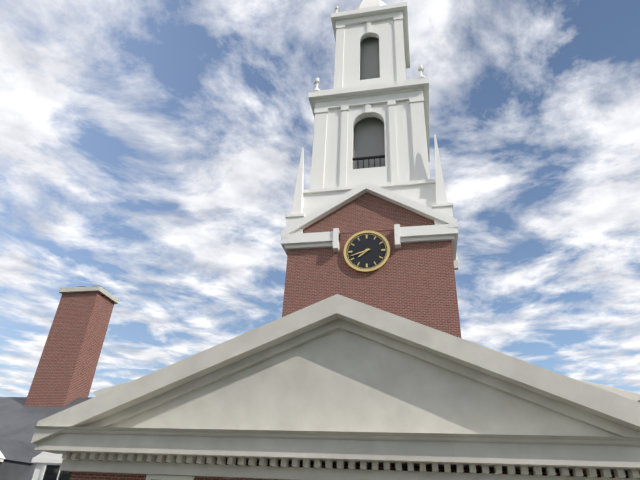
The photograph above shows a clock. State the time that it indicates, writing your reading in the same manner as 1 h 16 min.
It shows 7 h 42 min
